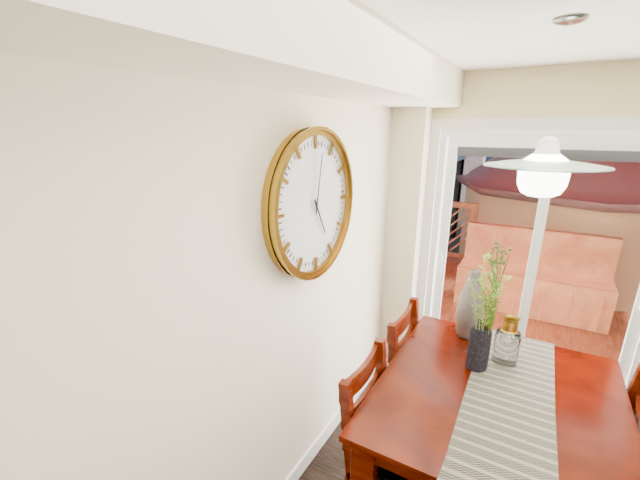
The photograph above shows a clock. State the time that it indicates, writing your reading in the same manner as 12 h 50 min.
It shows 5 h 02 min
